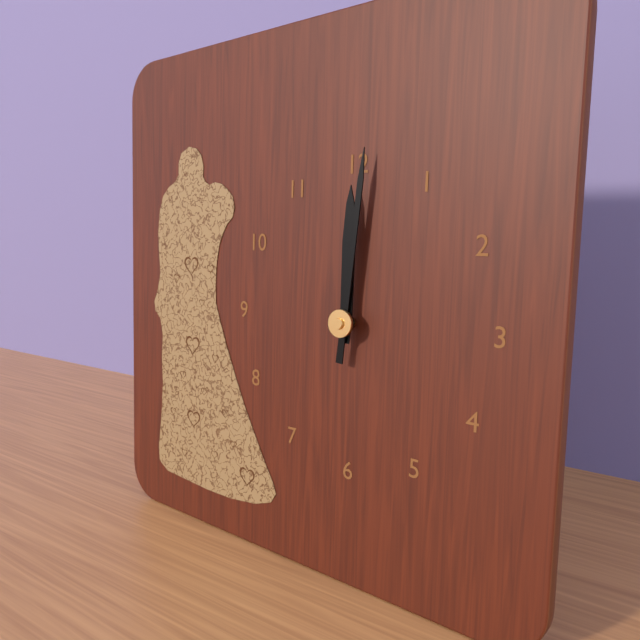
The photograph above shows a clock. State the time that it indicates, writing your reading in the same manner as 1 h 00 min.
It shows 12 h 01 min
